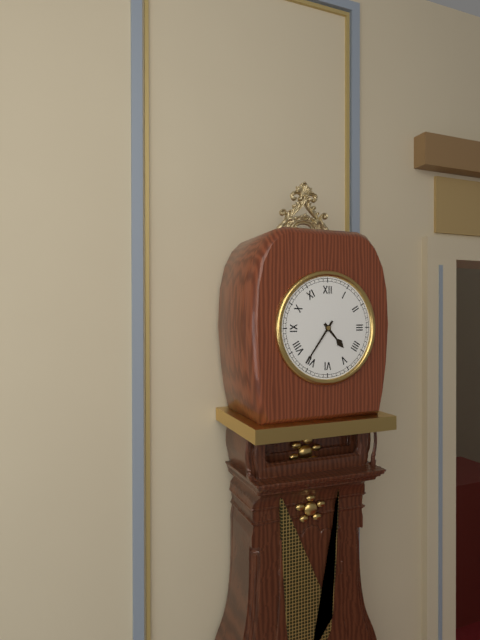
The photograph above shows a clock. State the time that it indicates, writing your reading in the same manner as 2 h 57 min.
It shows 4 h 36 min
